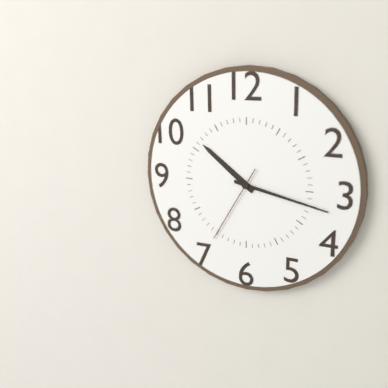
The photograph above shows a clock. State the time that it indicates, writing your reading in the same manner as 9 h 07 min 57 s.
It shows 10 h 17 min 35 s
